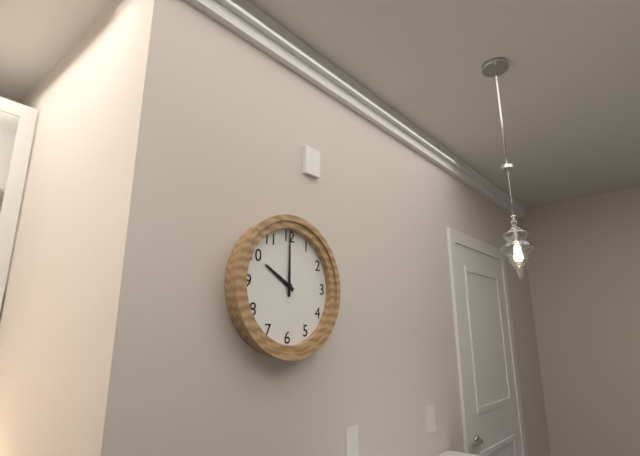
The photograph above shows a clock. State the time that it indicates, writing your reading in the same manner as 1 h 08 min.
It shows 10 h 00 min
